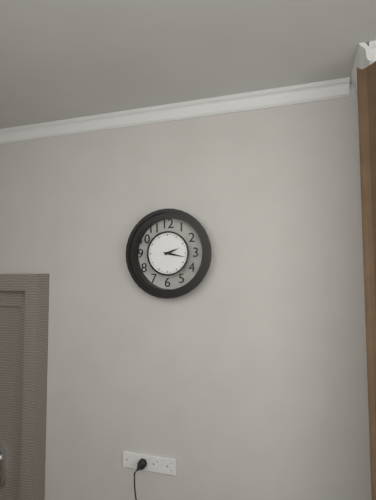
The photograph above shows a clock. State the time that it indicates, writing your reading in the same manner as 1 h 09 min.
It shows 2 h 17 min
